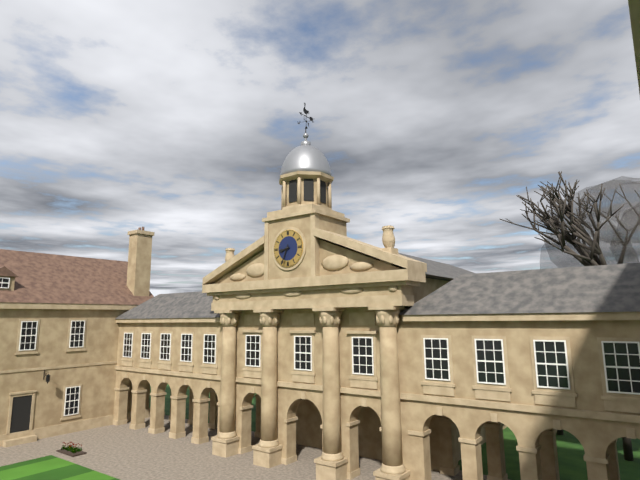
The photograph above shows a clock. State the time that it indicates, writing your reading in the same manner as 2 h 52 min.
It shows 8 h 34 min
